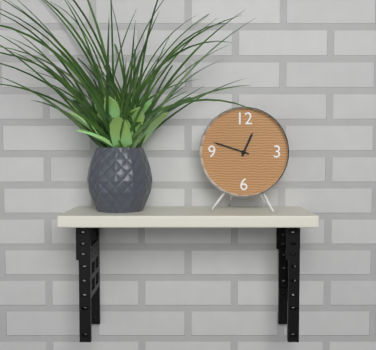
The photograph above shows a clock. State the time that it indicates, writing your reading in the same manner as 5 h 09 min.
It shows 12 h 48 min
